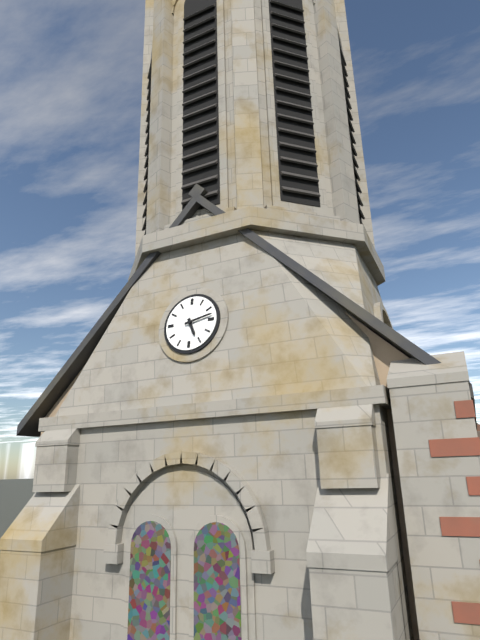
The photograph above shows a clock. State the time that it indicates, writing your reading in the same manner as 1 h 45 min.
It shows 5 h 13 min
